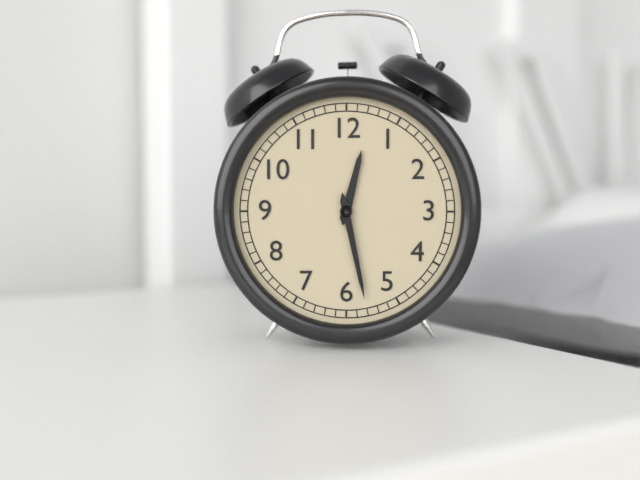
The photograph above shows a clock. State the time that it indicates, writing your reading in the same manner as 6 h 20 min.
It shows 12 h 28 min
